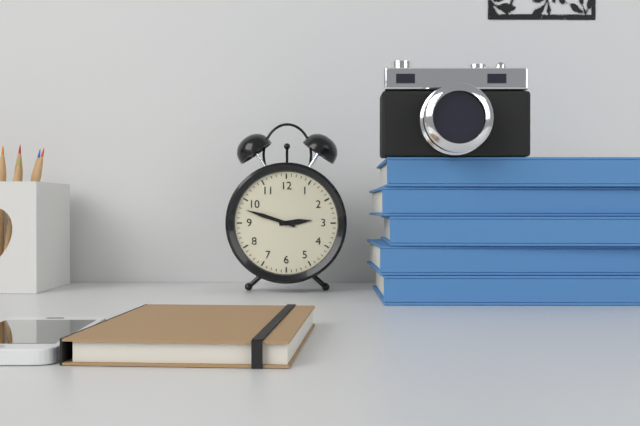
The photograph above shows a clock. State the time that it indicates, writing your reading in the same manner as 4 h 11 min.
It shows 2 h 48 min
